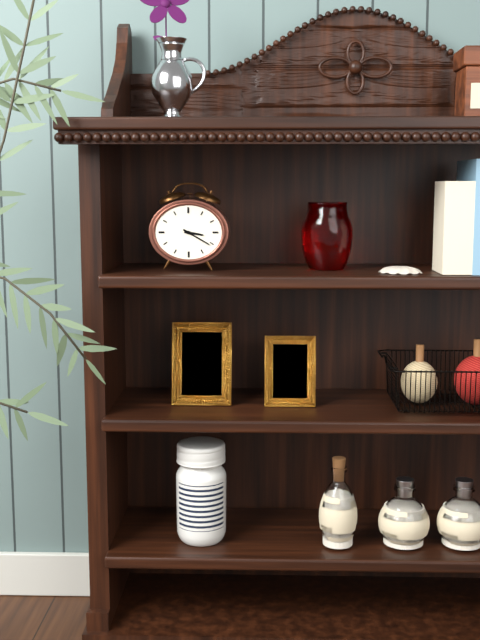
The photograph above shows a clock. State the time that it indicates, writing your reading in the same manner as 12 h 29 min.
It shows 3 h 20 min
